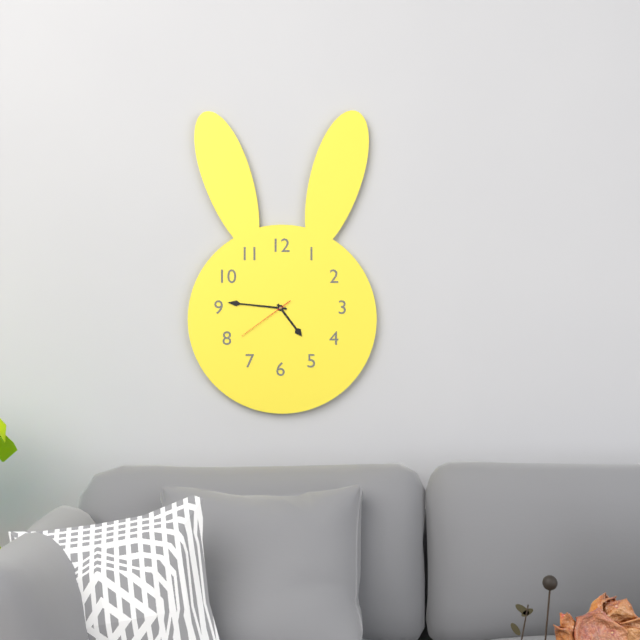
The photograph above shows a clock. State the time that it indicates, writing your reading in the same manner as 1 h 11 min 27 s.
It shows 4 h 46 min 39 s
